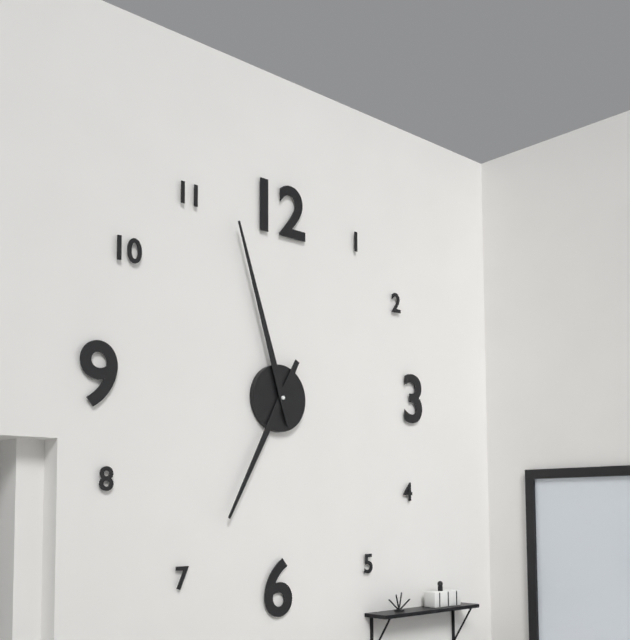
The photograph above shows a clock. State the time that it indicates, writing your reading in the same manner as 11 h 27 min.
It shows 6 h 57 min
